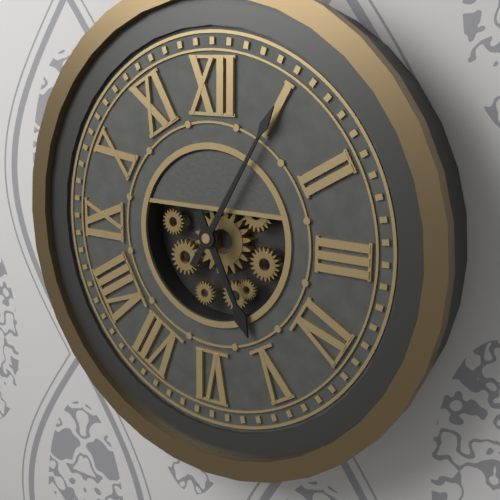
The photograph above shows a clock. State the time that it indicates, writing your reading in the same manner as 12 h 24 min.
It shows 5 h 05 min
